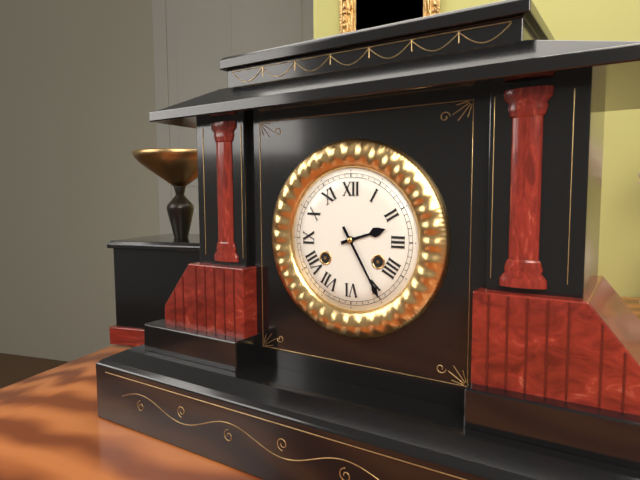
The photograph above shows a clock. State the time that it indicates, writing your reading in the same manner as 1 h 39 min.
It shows 2 h 25 min
